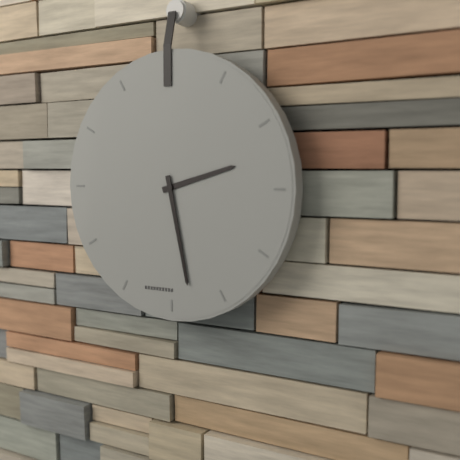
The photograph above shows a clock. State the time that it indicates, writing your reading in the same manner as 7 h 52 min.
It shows 2 h 28 min
